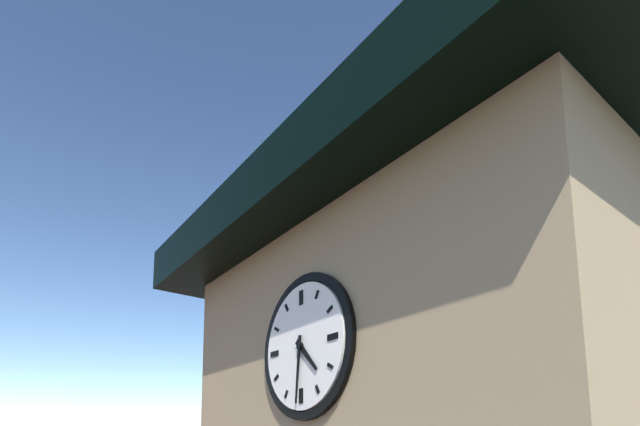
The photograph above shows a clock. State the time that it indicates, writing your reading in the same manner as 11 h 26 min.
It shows 4 h 31 min
